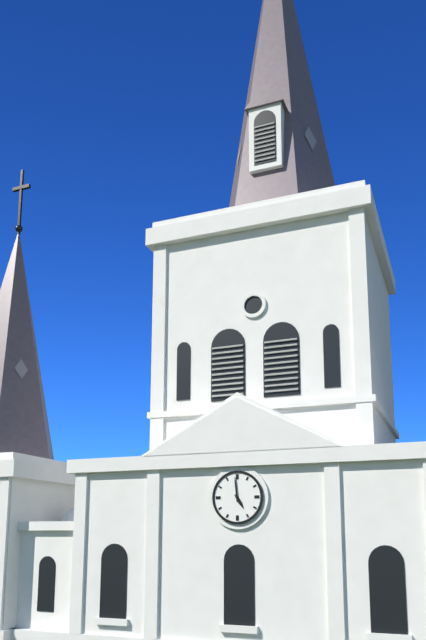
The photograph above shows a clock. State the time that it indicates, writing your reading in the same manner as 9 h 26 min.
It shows 4 h 59 min
